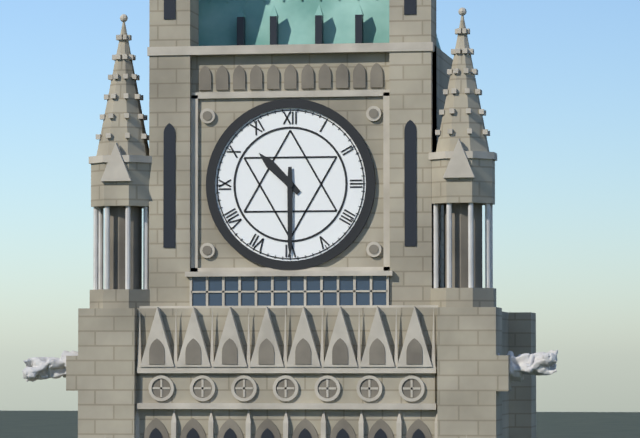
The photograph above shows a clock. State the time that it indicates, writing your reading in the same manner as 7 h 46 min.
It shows 10 h 30 min
